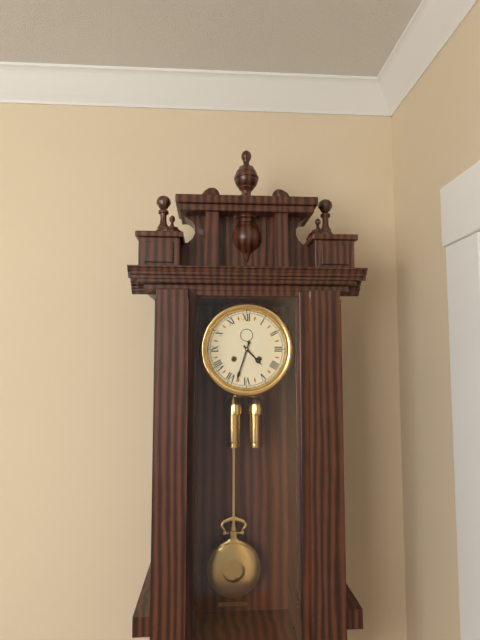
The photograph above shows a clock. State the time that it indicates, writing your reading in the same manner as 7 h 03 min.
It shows 4 h 33 min
